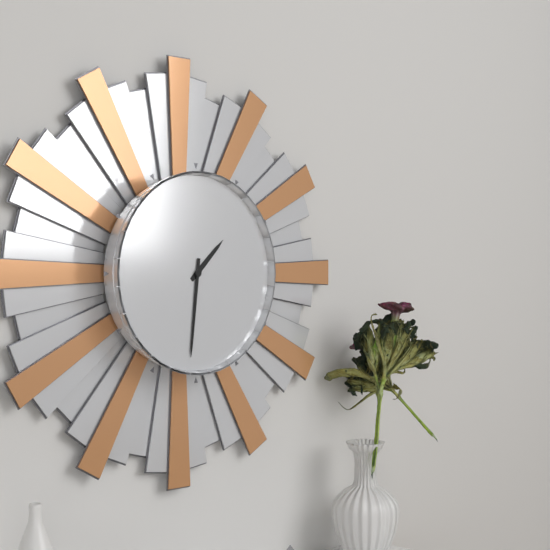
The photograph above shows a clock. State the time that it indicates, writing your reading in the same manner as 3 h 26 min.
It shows 1 h 31 min
